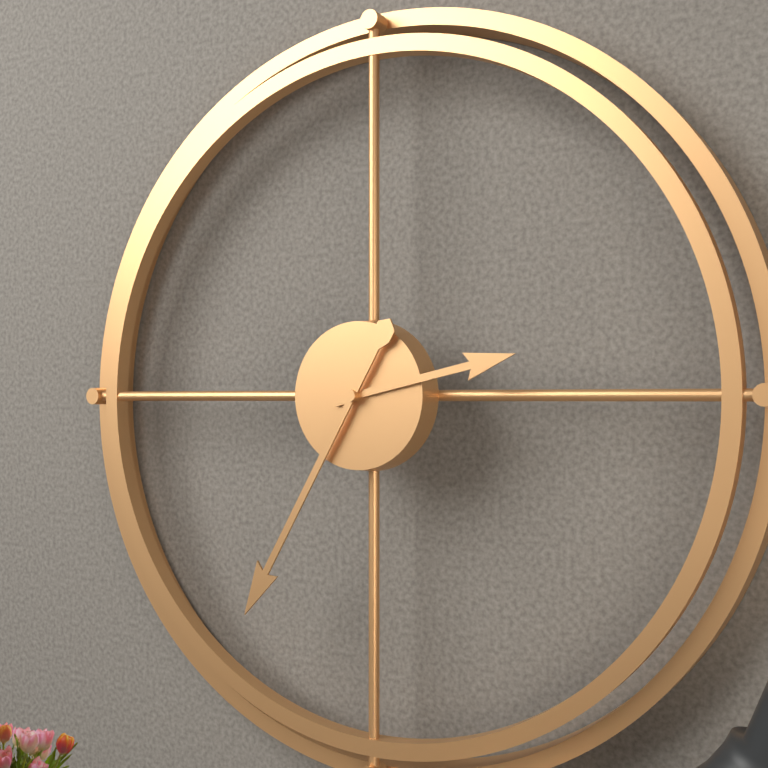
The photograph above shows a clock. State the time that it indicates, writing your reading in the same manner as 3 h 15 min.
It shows 2 h 35 min
